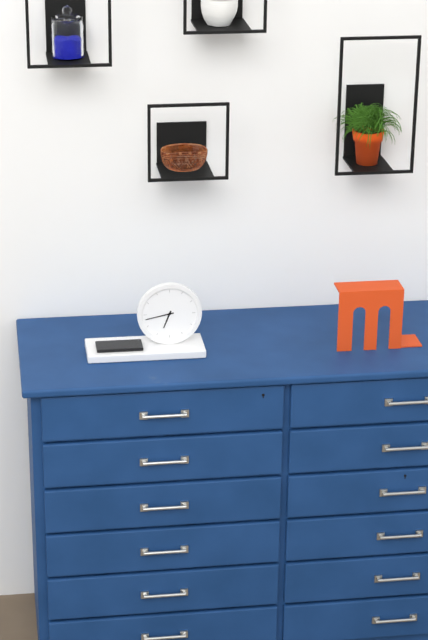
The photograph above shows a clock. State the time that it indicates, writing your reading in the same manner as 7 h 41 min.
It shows 6 h 43 min
